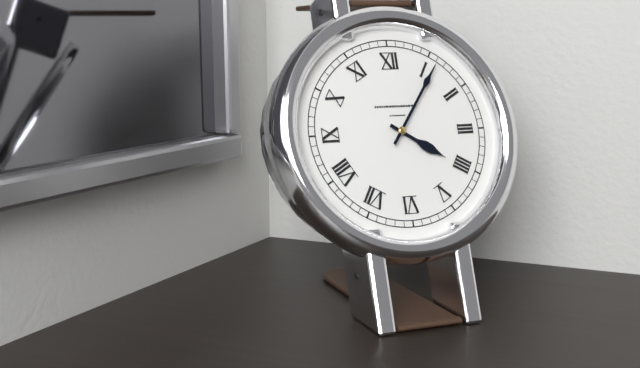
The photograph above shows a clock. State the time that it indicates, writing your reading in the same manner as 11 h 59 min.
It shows 4 h 06 min
